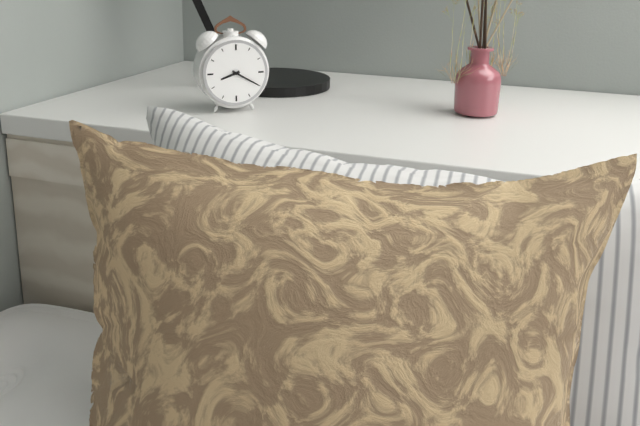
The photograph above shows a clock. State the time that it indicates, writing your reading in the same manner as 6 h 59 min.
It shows 8 h 20 min
